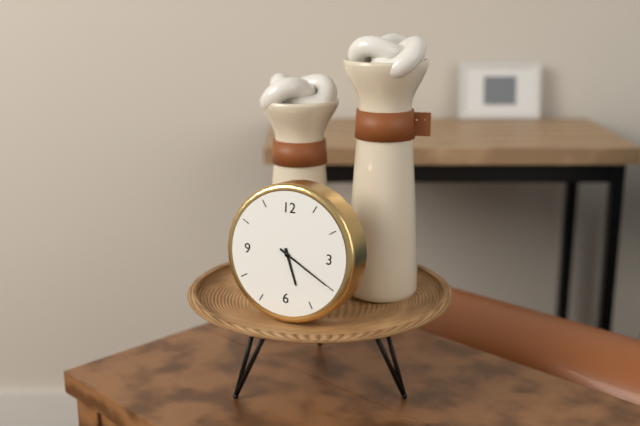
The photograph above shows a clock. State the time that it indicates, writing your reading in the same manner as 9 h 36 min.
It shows 5 h 20 min
